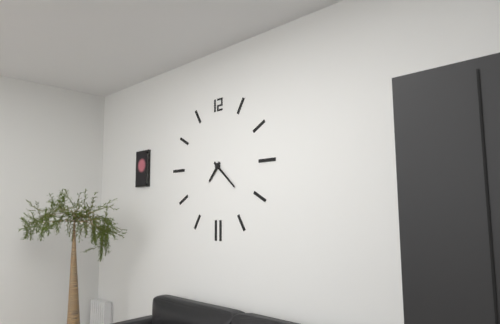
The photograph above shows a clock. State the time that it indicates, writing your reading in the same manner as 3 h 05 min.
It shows 7 h 22 min
